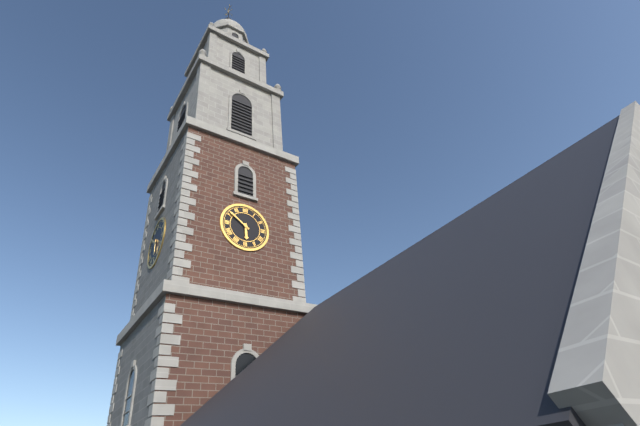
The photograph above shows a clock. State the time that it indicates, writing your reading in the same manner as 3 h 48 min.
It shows 5 h 51 min
